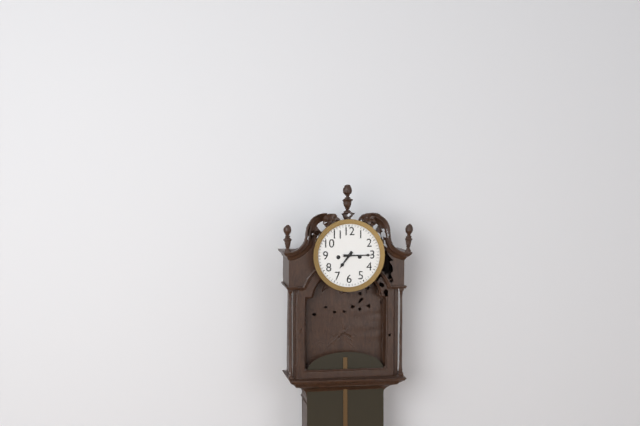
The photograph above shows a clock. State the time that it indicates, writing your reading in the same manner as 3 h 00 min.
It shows 7 h 15 min
